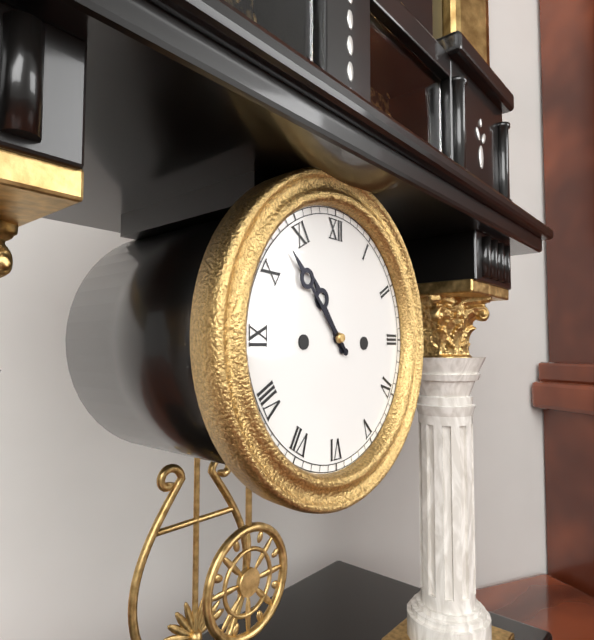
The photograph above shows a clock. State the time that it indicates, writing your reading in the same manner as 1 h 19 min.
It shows 10 h 53 min
